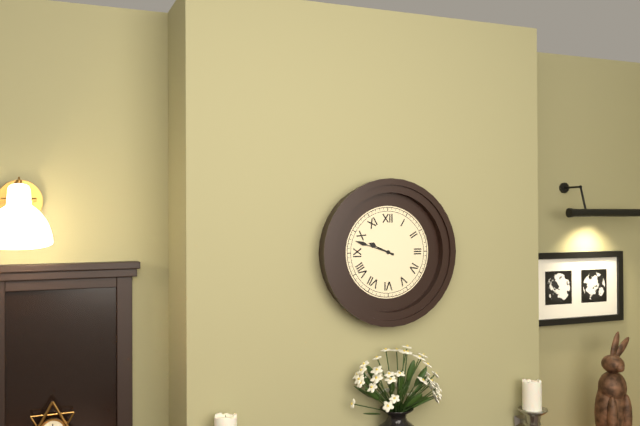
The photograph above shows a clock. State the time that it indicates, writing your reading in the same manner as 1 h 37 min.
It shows 9 h 48 min
